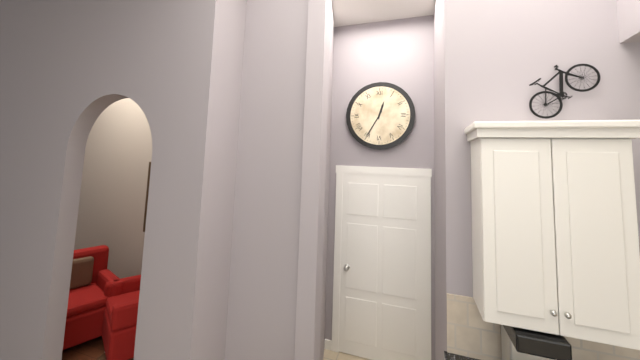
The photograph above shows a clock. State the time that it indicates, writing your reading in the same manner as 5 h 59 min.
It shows 12 h 35 min
